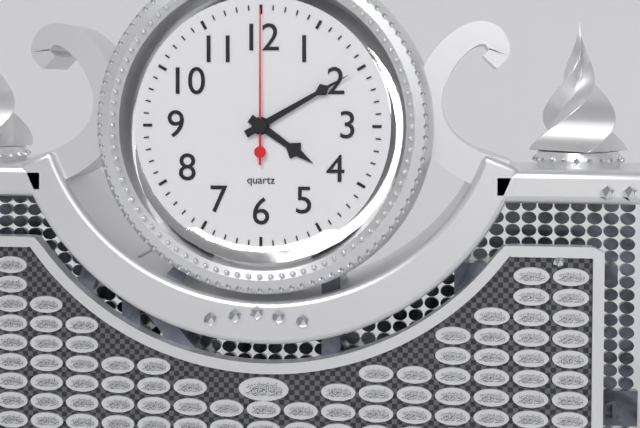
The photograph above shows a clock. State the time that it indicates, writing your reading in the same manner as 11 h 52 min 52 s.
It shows 4 h 10 min 00 s
